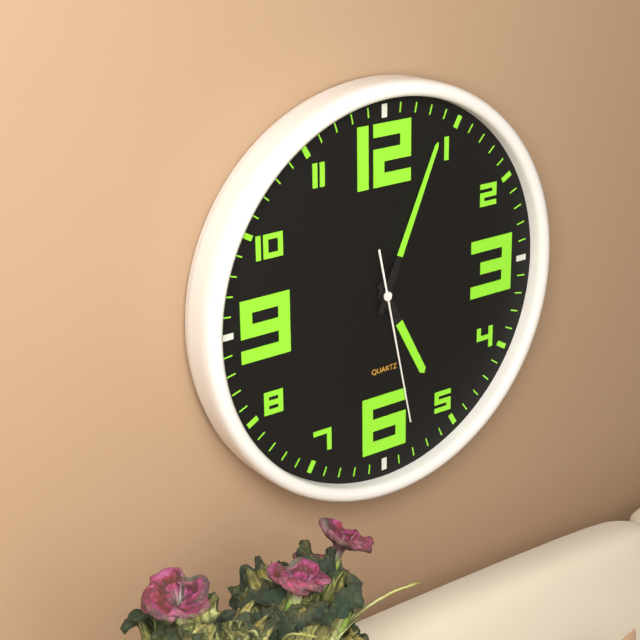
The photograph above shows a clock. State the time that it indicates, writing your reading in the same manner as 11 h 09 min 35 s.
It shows 5 h 04 min 28 s
